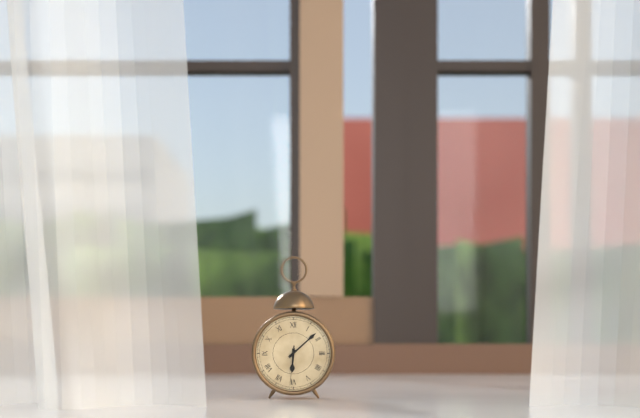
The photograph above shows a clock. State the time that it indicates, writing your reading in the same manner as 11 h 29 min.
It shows 6 h 08 min
